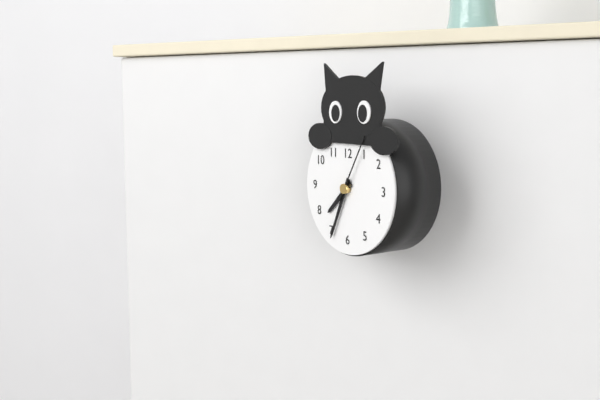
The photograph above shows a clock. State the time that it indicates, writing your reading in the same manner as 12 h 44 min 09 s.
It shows 7 h 34 min 05 s
